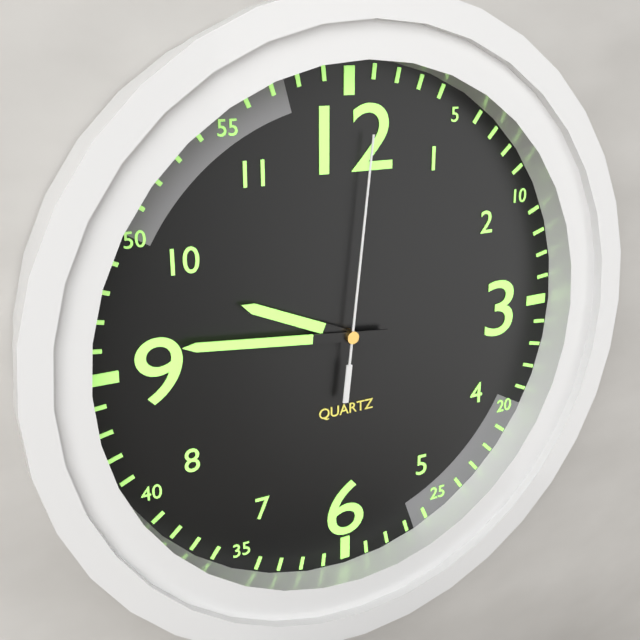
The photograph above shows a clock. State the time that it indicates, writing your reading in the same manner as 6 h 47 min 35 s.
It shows 9 h 46 min 01 s
